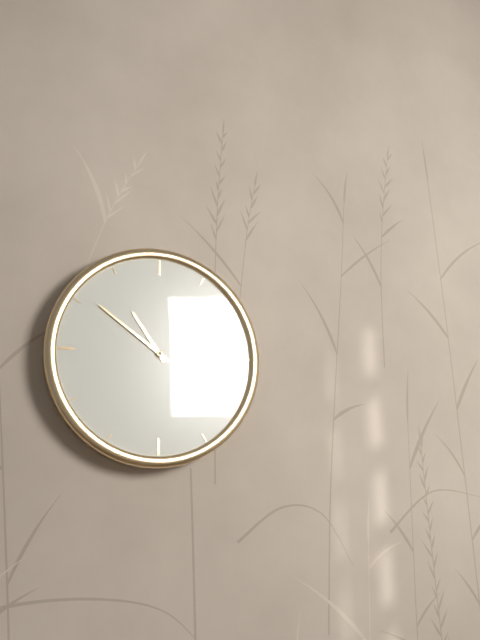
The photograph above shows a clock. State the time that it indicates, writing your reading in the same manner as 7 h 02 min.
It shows 10 h 51 min
